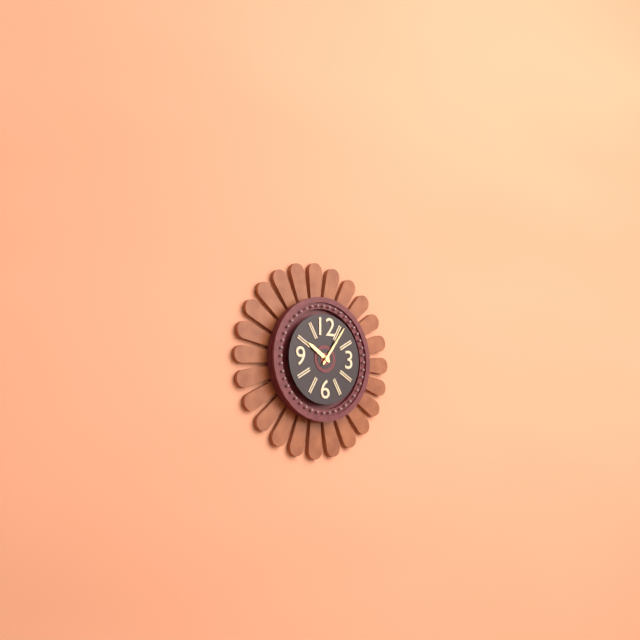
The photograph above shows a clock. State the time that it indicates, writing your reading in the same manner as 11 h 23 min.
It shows 10 h 06 min
